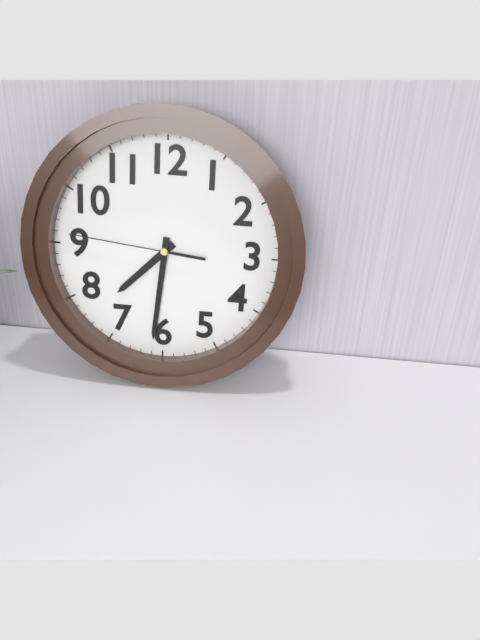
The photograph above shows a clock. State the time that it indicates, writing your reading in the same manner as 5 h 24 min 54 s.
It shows 7 h 31 min 46 s
